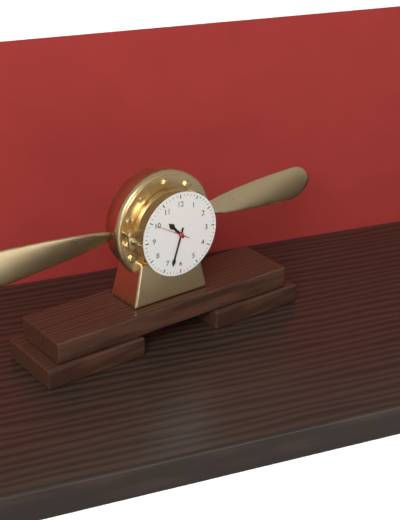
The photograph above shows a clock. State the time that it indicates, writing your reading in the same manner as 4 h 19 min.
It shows 10 h 33 min
